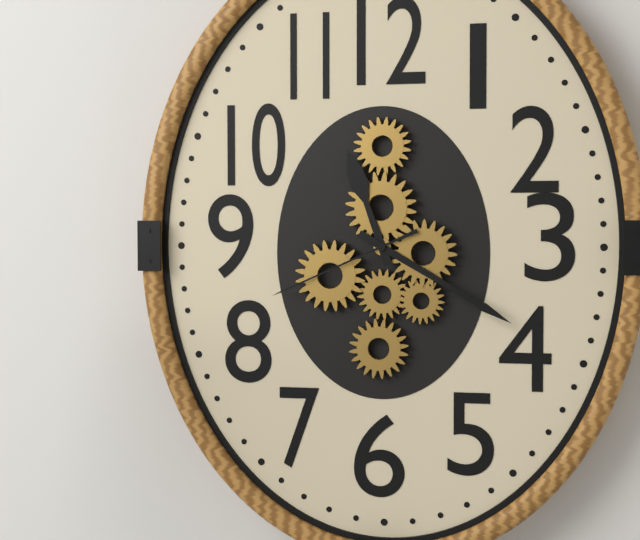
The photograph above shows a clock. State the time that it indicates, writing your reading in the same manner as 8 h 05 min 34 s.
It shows 11 h 20 min 41 s
